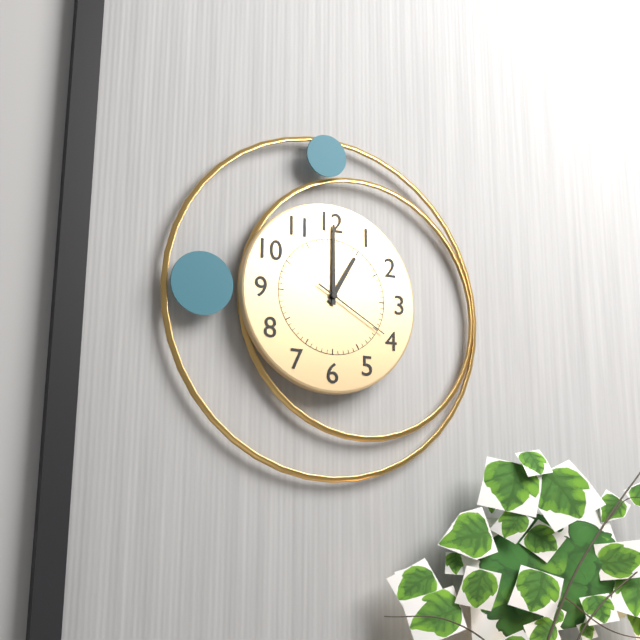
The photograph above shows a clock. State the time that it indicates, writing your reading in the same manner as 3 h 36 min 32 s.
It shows 1 h 00 min 20 s
